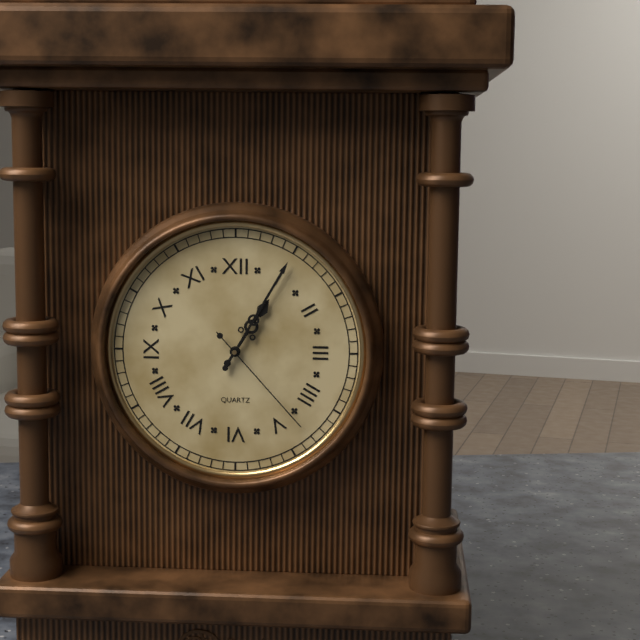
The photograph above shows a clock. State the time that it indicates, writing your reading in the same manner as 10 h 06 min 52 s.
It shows 1 h 05 min 23 s
